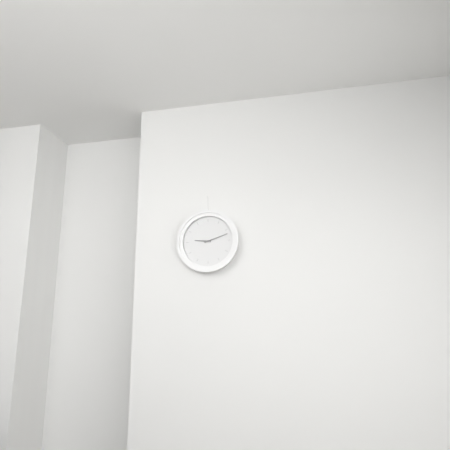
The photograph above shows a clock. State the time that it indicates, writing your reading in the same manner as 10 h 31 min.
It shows 9 h 12 min
